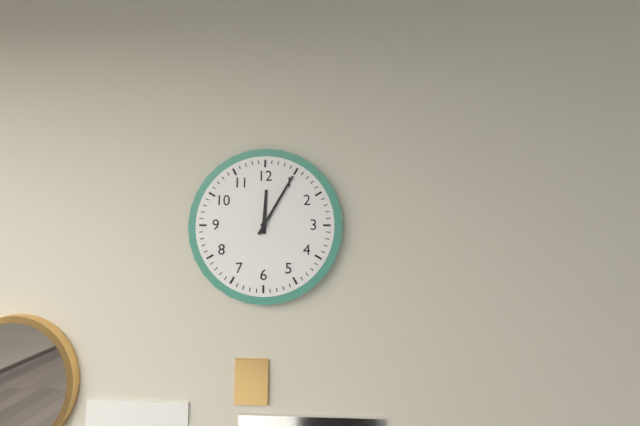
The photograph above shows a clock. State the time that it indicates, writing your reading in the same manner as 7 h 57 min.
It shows 12 h 05 min
